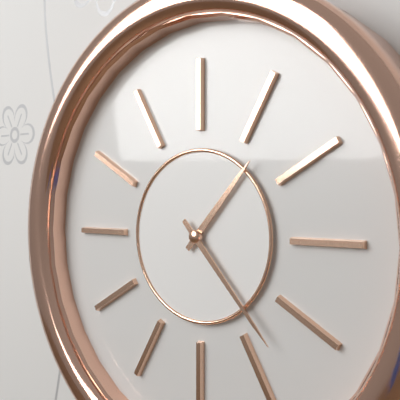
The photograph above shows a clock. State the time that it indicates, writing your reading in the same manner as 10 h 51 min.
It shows 1 h 23 min
